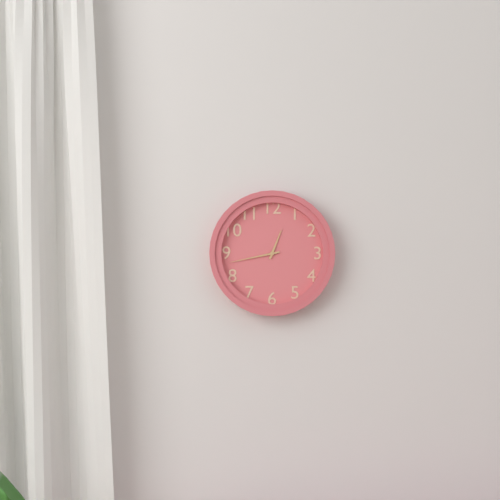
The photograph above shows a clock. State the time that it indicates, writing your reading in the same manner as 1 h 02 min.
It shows 12 h 43 min
